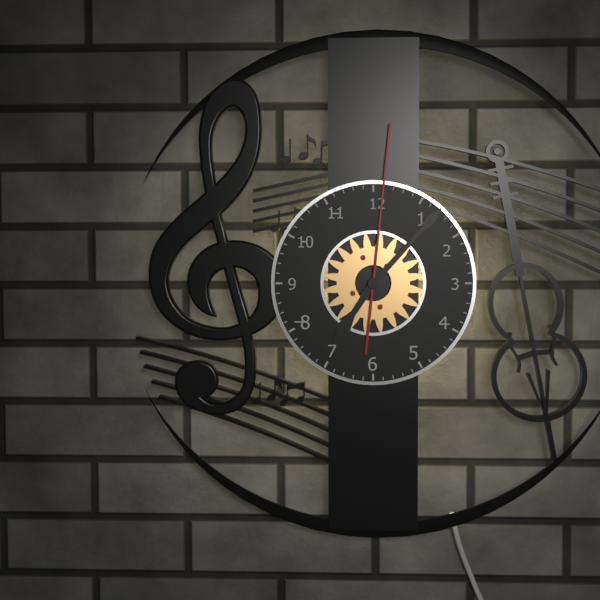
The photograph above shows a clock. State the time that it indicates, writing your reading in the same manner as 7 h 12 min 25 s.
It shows 7 h 07 min 01 s
